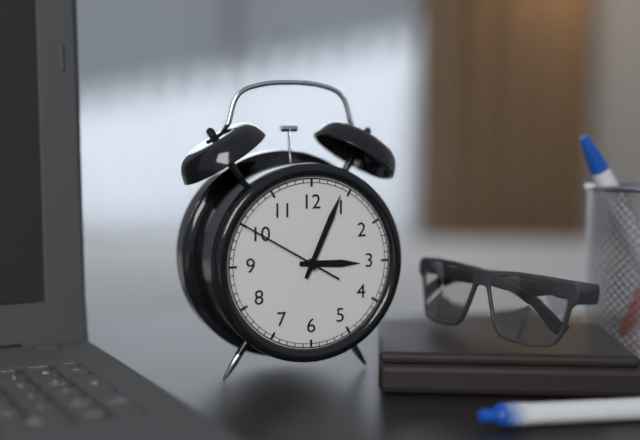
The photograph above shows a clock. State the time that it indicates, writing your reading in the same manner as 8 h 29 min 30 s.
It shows 3 h 04 min 50 s
